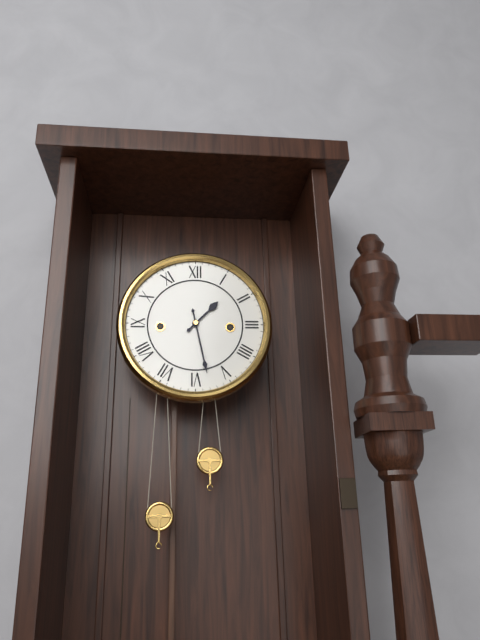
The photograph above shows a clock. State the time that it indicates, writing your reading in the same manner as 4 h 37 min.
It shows 1 h 28 min
